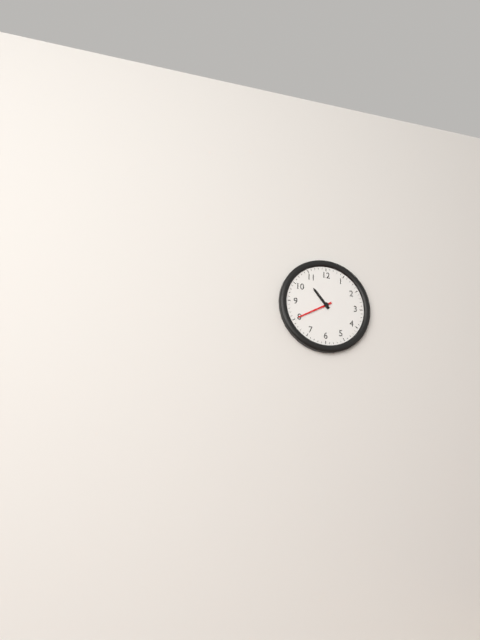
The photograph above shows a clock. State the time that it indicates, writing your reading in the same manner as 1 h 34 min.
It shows 10 h 40 min
